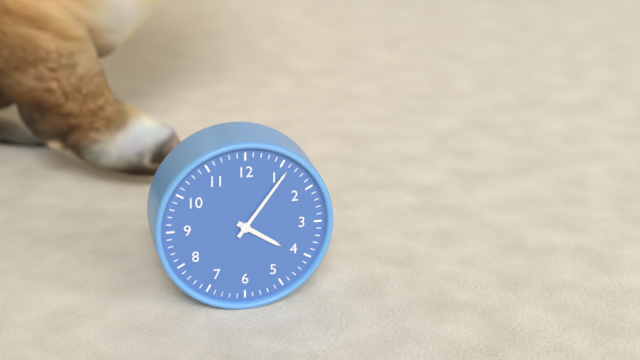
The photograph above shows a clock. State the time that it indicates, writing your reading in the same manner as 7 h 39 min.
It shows 4 h 06 min
